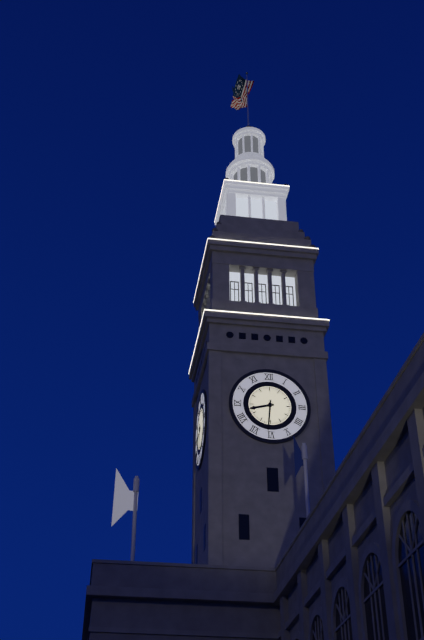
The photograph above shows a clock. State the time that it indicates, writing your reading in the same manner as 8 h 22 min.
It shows 8 h 31 min
